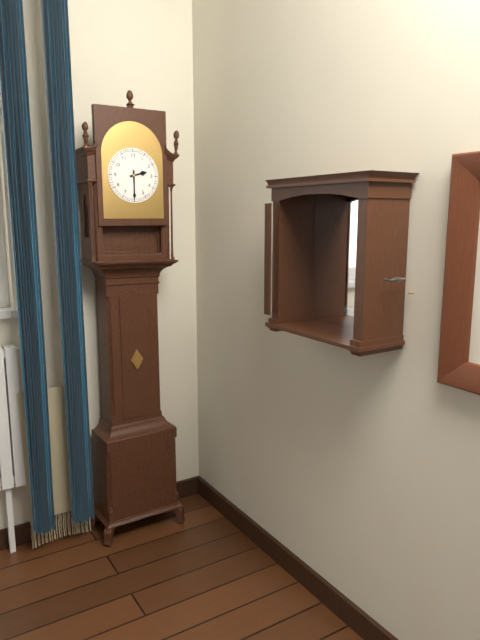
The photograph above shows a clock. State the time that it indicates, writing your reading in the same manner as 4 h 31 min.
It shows 2 h 30 min
